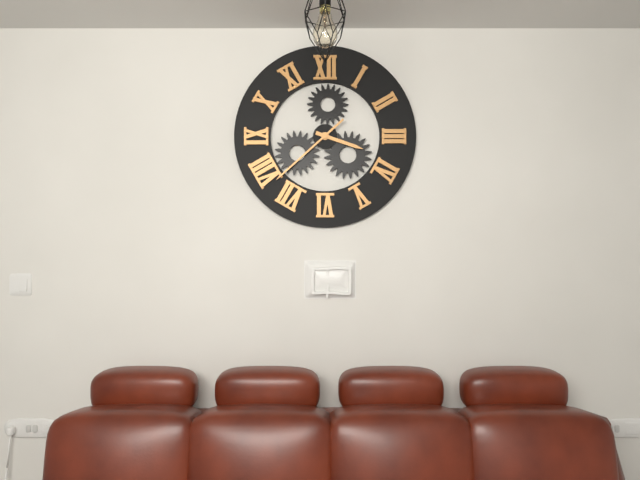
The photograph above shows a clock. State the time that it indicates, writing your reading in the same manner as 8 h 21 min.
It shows 3 h 38 min
